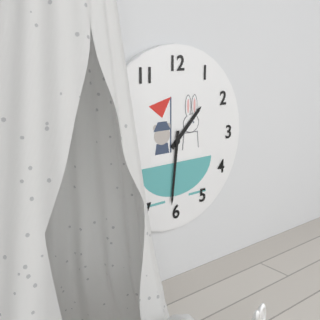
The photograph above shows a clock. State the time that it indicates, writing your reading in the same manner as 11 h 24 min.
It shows 1 h 31 min
